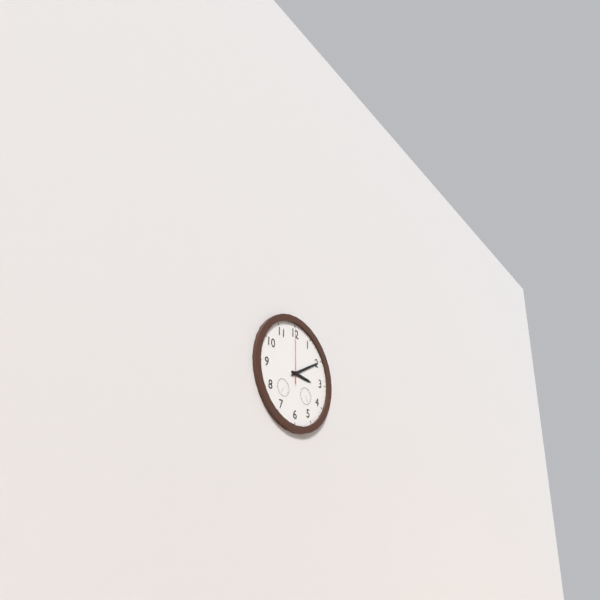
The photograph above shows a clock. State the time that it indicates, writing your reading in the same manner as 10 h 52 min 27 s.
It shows 3 h 10 min 00 s
